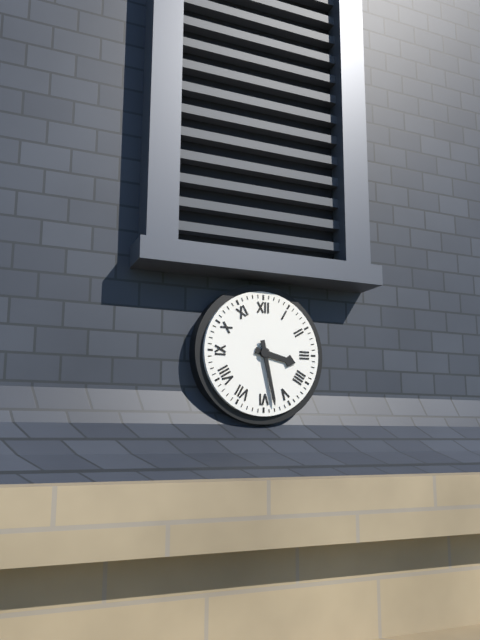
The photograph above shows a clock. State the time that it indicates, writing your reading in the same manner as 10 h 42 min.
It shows 3 h 28 min
